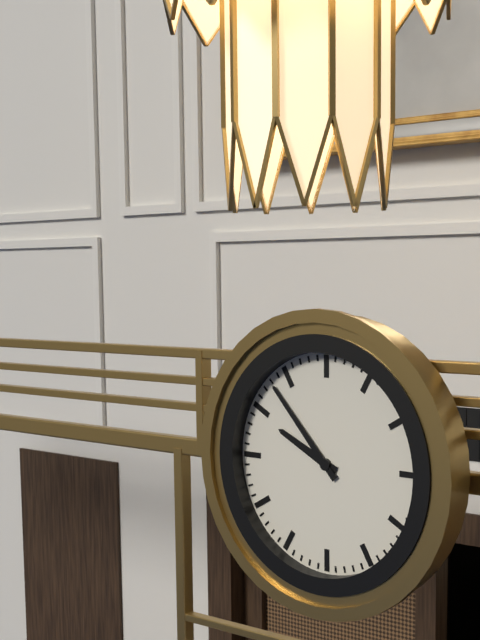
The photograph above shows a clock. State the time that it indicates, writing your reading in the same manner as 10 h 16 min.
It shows 9 h 53 min
